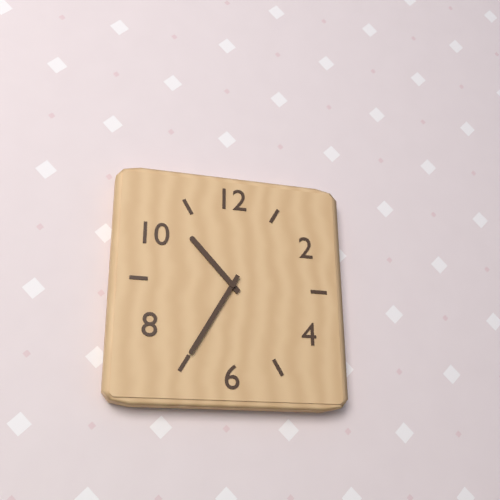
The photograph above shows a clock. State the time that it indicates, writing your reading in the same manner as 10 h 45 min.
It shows 10 h 35 min
